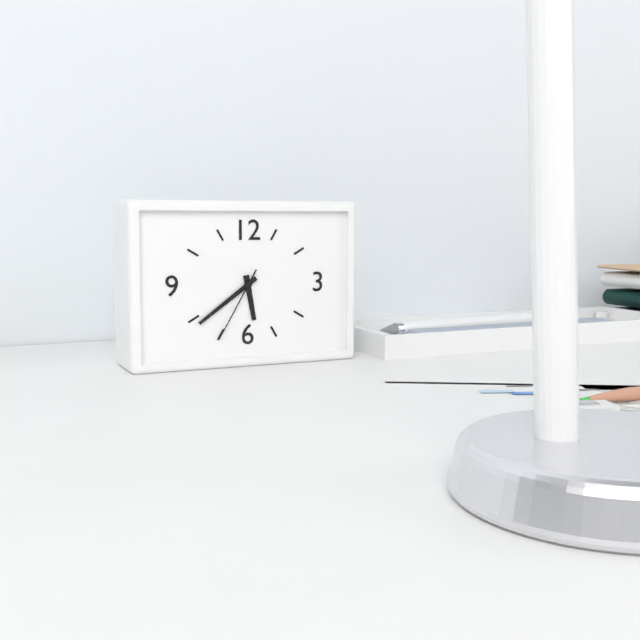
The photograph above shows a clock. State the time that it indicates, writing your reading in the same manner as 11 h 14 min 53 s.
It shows 5 h 39 min 35 s
